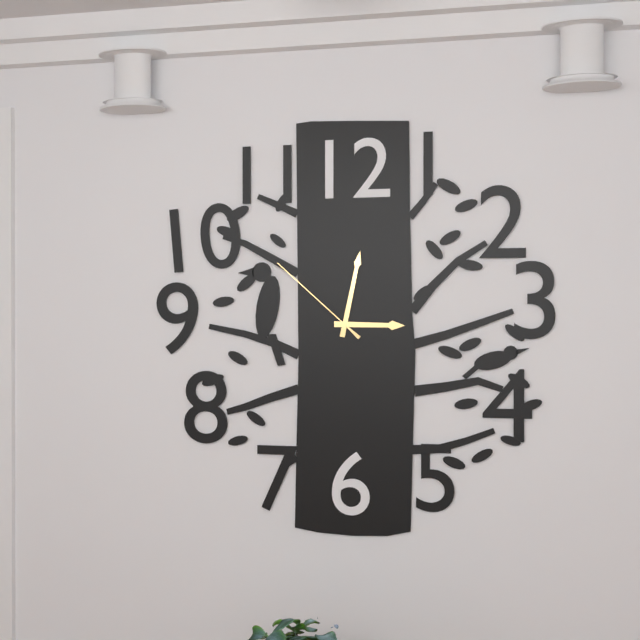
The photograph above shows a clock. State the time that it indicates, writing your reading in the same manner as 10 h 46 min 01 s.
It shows 3 h 02 min 52 s
